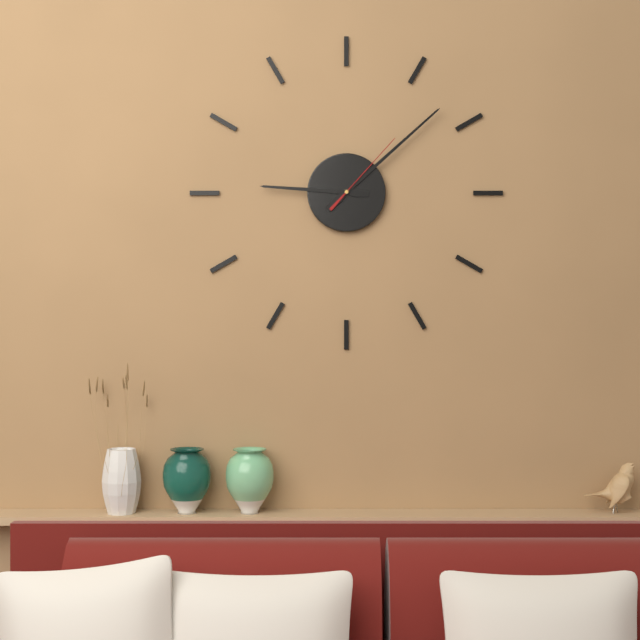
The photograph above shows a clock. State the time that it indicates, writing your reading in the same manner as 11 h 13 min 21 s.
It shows 9 h 08 min 07 s
